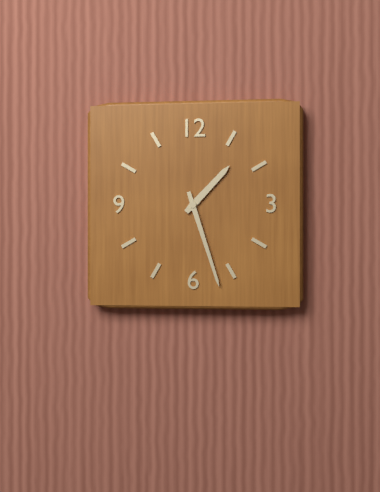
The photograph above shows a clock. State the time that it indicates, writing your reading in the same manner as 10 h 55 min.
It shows 1 h 27 min
